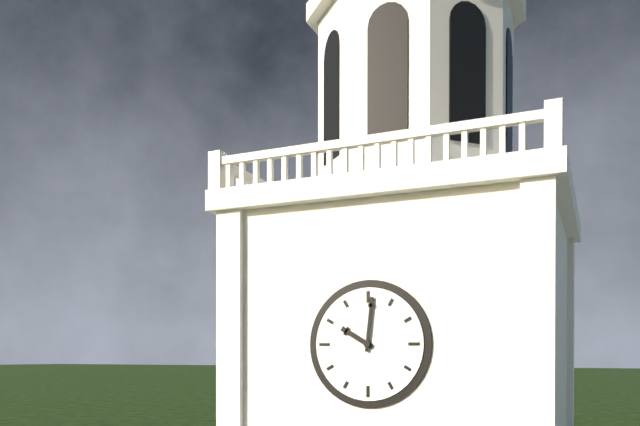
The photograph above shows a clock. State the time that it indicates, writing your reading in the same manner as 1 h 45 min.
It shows 10 h 01 min
